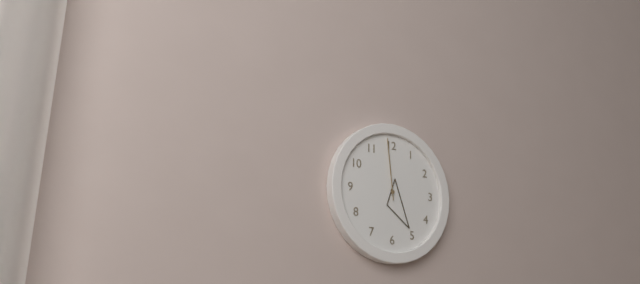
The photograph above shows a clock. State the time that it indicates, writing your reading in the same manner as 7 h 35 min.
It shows 4 h 59 min
